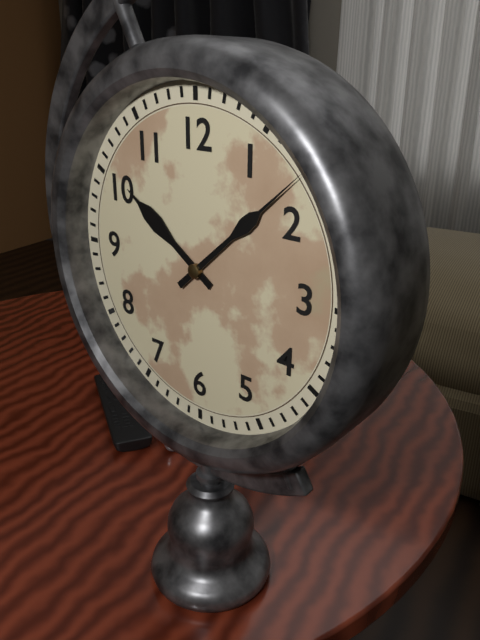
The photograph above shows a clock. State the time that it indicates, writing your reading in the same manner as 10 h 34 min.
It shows 10 h 08 min
